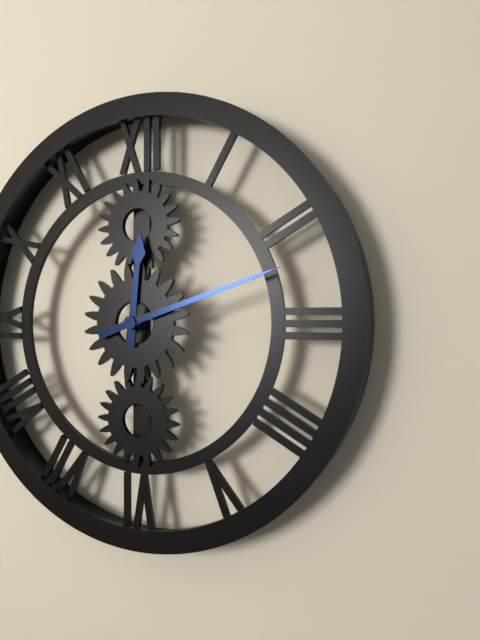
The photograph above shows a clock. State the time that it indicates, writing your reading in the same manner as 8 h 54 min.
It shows 12 h 12 min
